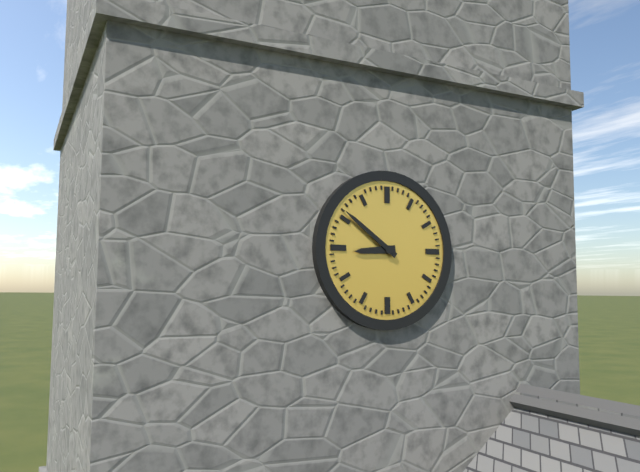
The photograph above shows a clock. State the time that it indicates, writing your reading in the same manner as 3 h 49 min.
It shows 8 h 51 min
